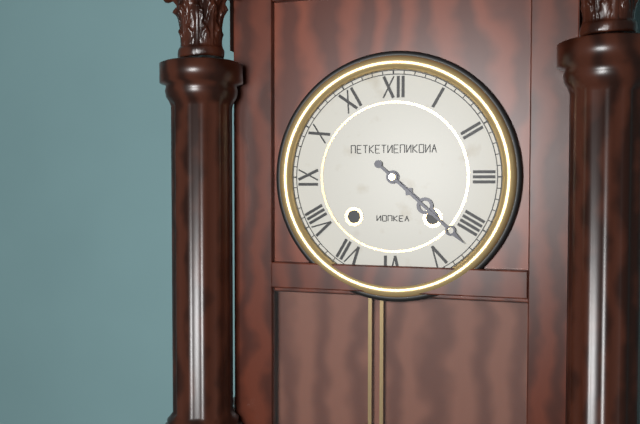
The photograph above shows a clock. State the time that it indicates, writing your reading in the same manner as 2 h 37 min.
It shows 4 h 22 min
